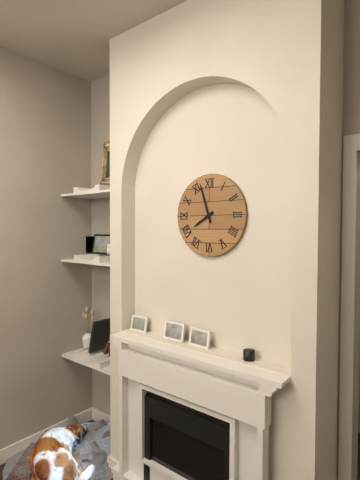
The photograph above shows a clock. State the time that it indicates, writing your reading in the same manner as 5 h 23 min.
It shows 7 h 57 min
